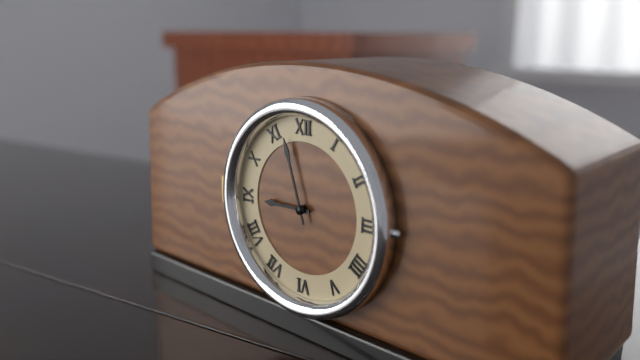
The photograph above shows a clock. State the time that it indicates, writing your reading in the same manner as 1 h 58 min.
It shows 8 h 57 min
